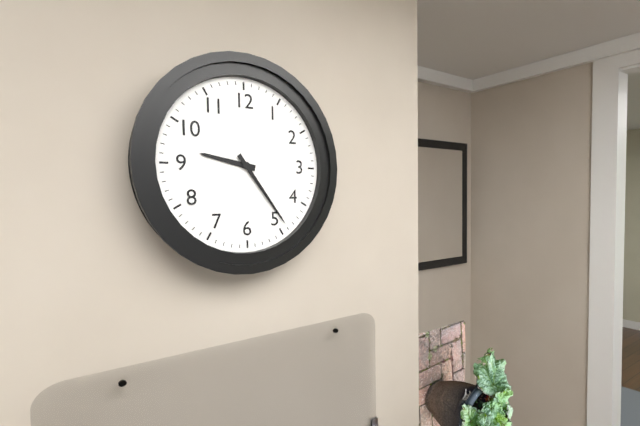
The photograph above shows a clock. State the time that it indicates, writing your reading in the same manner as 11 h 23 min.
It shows 9 h 24 min
